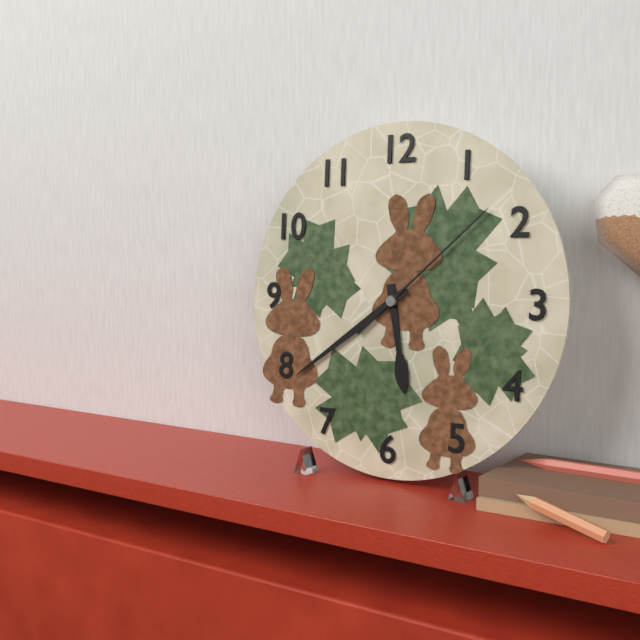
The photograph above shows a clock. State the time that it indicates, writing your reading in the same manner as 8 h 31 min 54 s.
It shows 5 h 39 min 08 s
